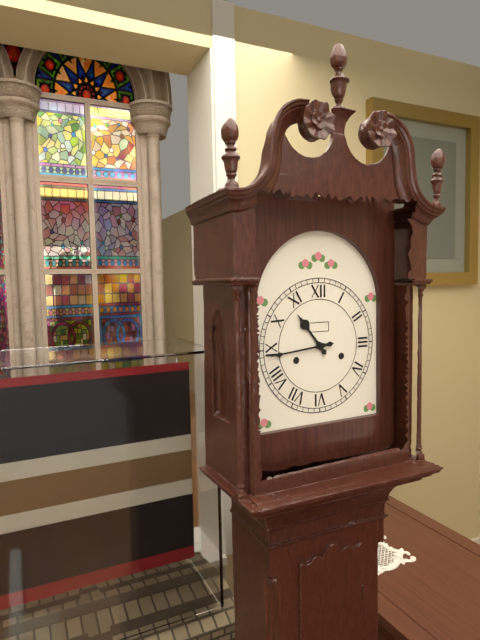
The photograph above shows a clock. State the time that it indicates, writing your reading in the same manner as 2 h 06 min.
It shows 10 h 44 min
